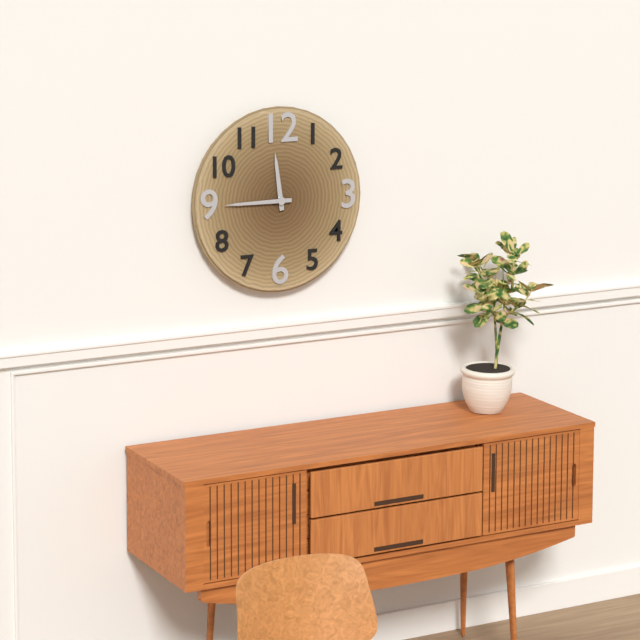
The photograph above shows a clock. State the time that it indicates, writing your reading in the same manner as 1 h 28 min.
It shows 11 h 45 min
